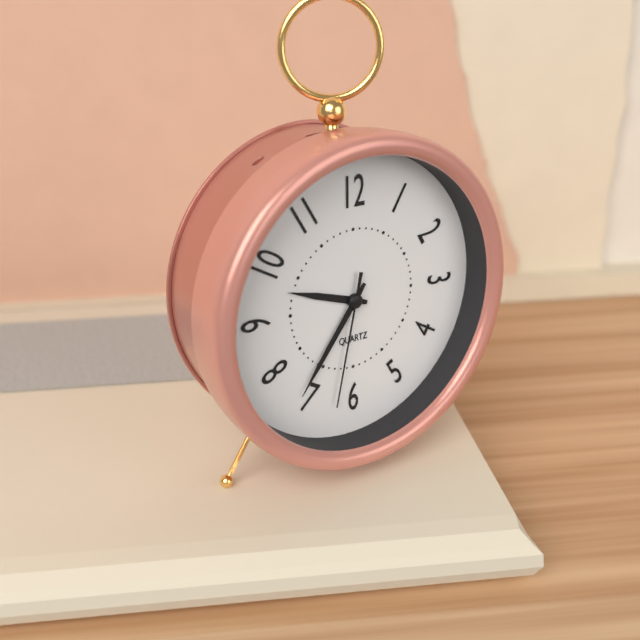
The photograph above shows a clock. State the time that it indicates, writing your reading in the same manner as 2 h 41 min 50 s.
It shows 9 h 36 min 32 s
